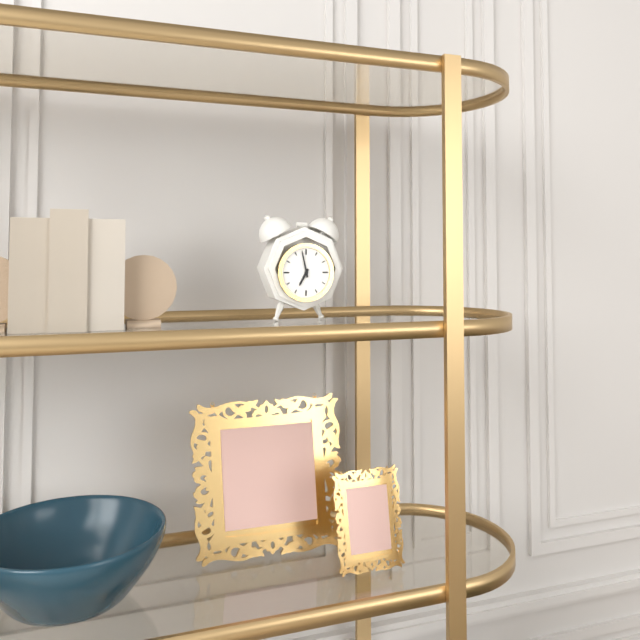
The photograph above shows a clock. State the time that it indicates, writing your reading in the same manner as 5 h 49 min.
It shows 6 h 58 min
